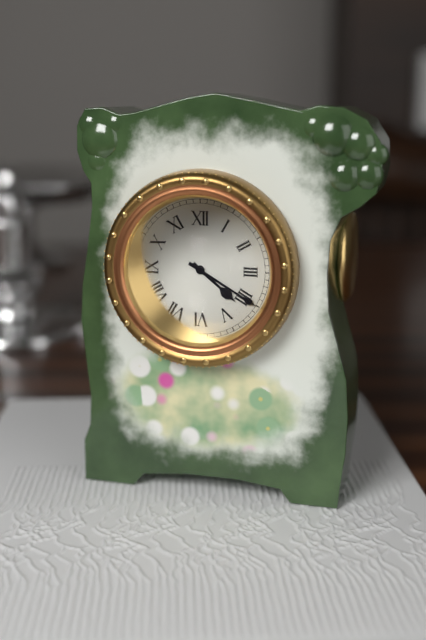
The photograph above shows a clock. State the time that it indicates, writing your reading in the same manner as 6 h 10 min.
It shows 4 h 20 min
